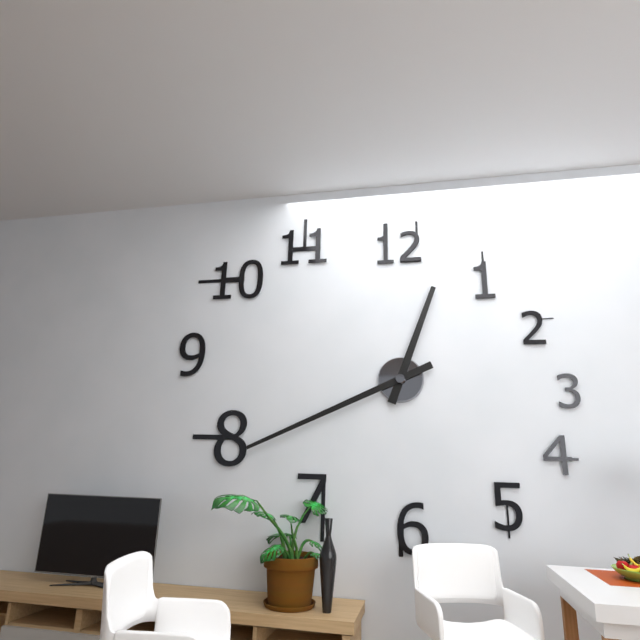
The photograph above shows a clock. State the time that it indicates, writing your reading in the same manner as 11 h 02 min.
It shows 12 h 41 min
